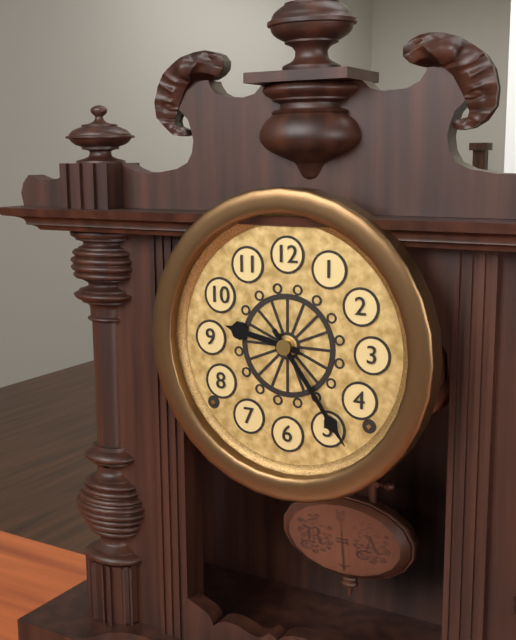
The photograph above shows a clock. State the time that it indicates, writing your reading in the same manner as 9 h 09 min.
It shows 9 h 24 min
